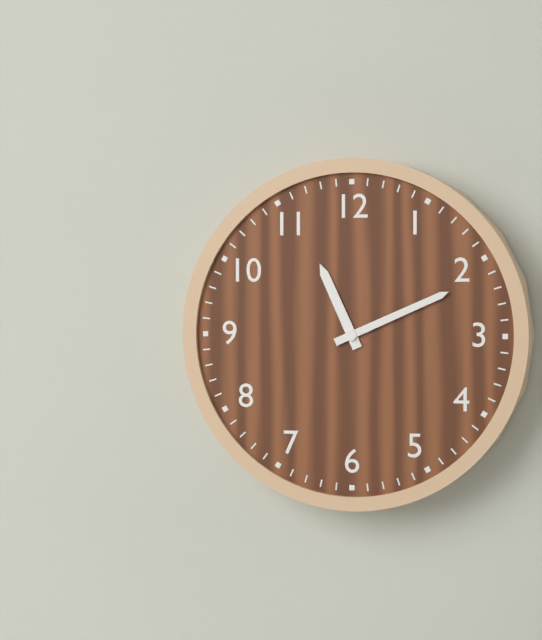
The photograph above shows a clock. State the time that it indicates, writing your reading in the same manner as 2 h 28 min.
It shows 11 h 11 min
